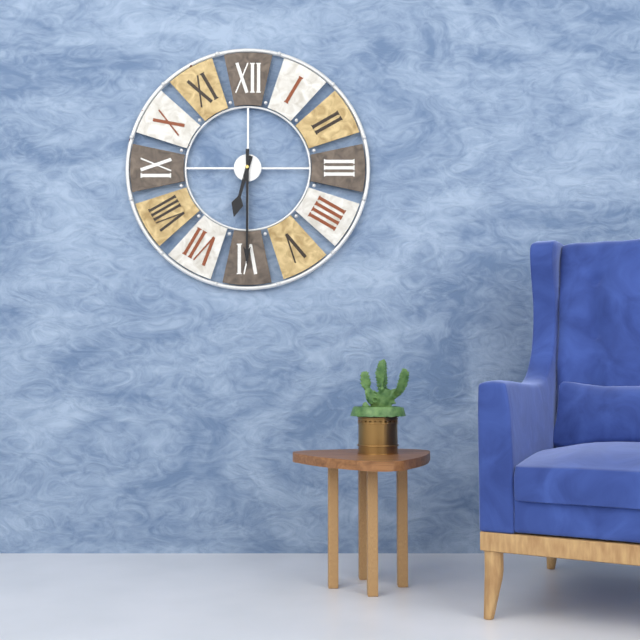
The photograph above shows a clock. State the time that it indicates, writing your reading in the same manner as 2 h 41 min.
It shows 6 h 30 min
